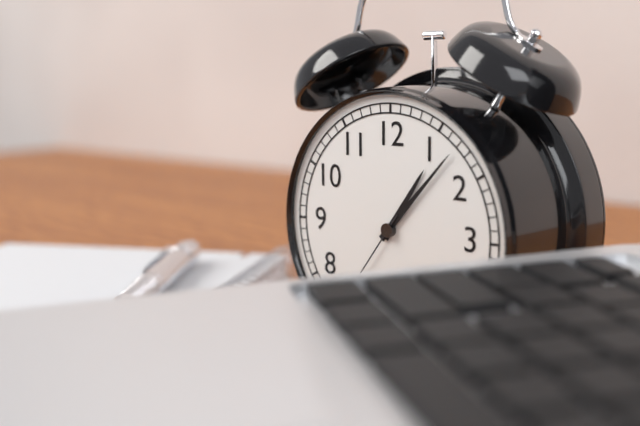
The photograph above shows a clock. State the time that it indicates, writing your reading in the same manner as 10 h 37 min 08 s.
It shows 1 h 07 min 36 s
